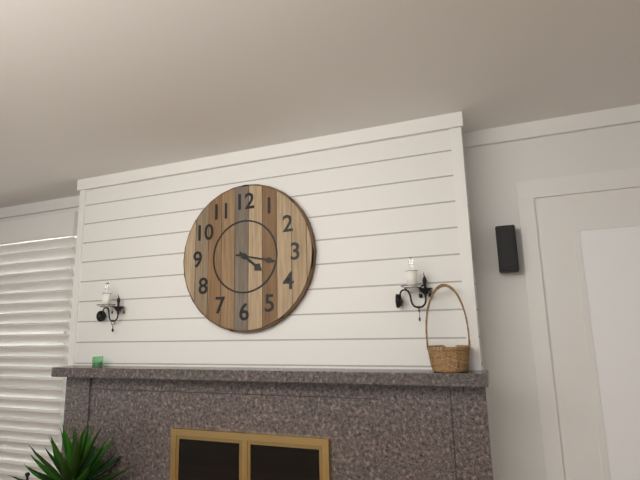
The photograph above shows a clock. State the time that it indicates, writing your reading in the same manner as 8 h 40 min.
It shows 4 h 17 min
